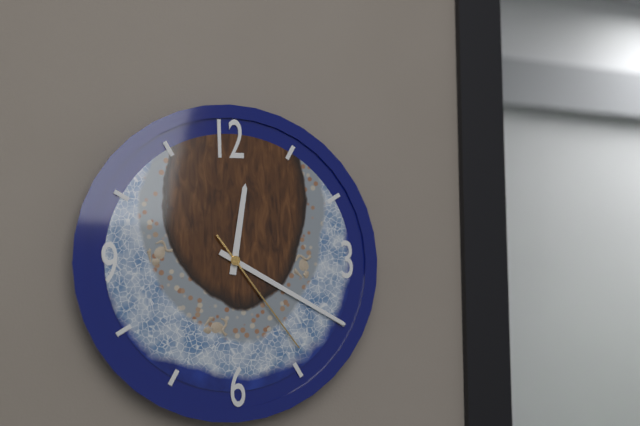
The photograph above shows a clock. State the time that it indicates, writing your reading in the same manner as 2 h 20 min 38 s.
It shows 12 h 20 min 24 s
